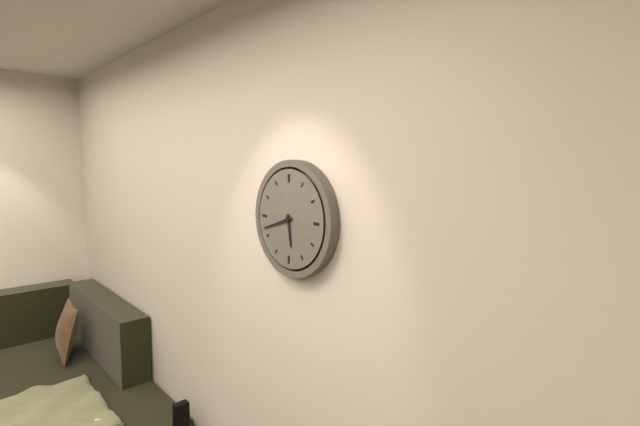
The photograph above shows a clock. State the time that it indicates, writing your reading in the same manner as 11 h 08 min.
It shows 5 h 42 min
